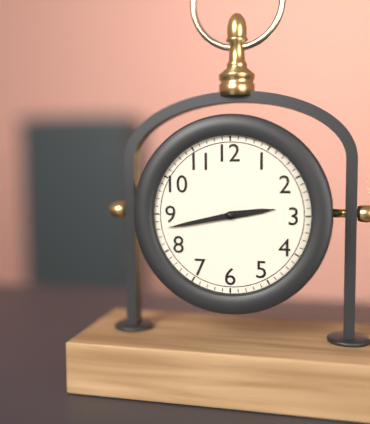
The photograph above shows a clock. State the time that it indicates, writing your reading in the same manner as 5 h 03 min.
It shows 2 h 43 min
